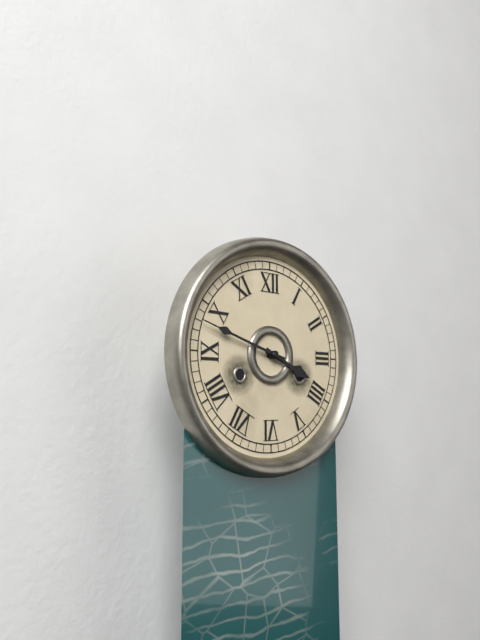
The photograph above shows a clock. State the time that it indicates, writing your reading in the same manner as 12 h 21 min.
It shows 3 h 48 min
